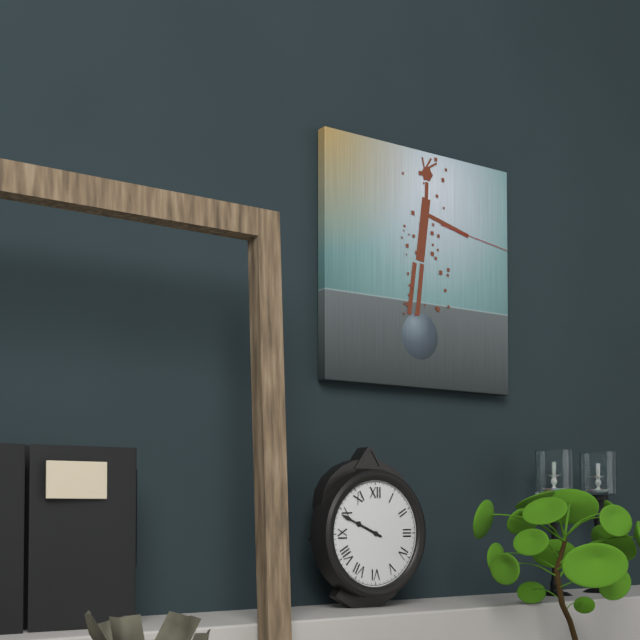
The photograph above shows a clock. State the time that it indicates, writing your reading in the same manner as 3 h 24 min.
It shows 9 h 49 min
